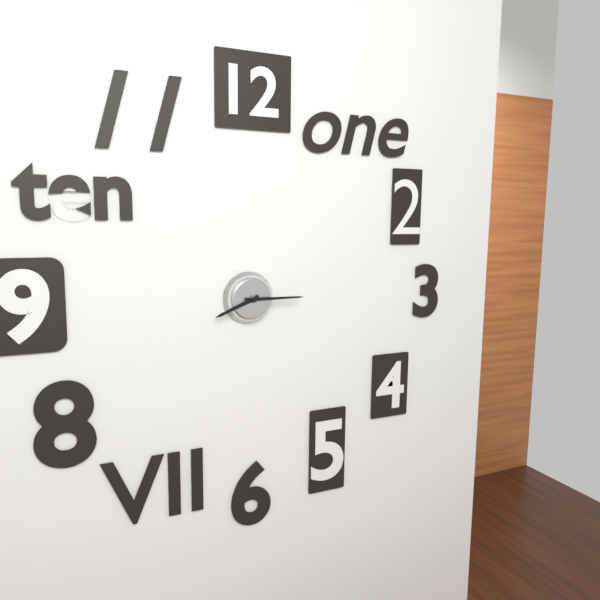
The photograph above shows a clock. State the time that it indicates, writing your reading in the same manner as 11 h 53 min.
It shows 8 h 15 min
